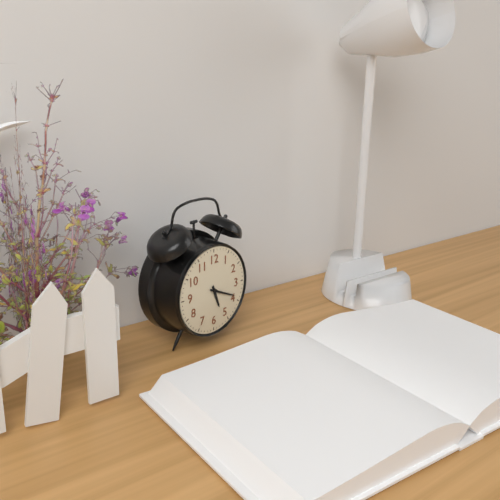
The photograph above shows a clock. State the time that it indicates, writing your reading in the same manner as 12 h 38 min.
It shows 5 h 19 min
